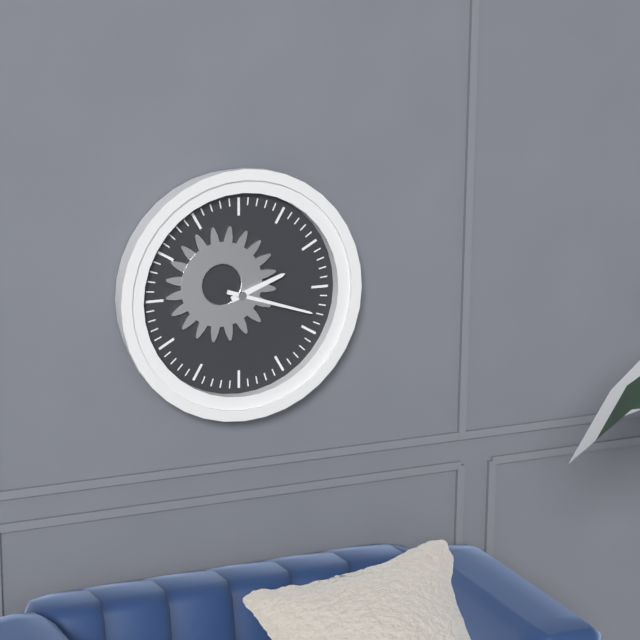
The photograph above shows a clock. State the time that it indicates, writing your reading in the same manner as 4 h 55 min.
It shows 2 h 18 min
